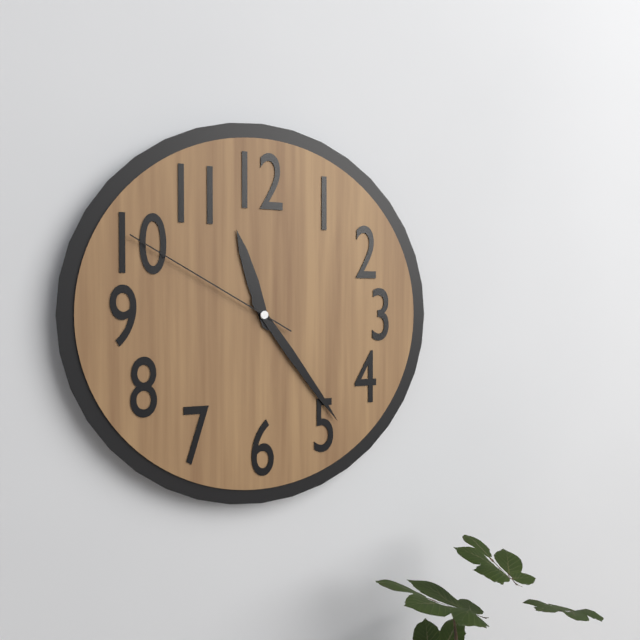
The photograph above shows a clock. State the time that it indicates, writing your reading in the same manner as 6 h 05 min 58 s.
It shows 11 h 24 min 50 s
